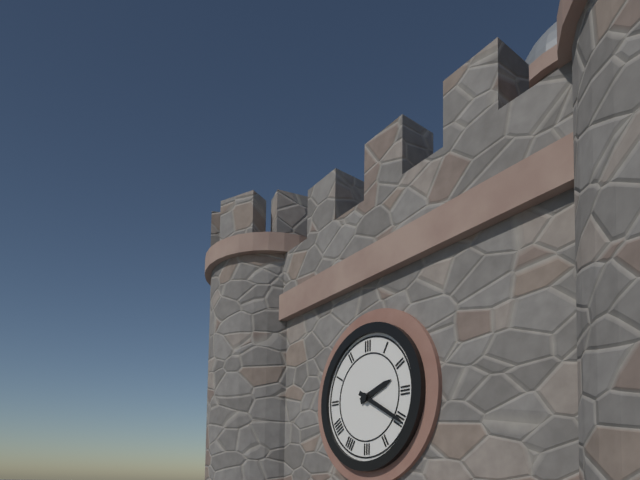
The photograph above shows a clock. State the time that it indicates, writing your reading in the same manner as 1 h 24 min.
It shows 2 h 20 min
